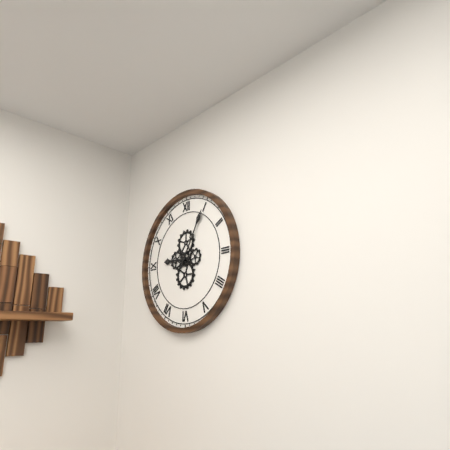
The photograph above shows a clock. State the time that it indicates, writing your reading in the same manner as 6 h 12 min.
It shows 9 h 05 min
